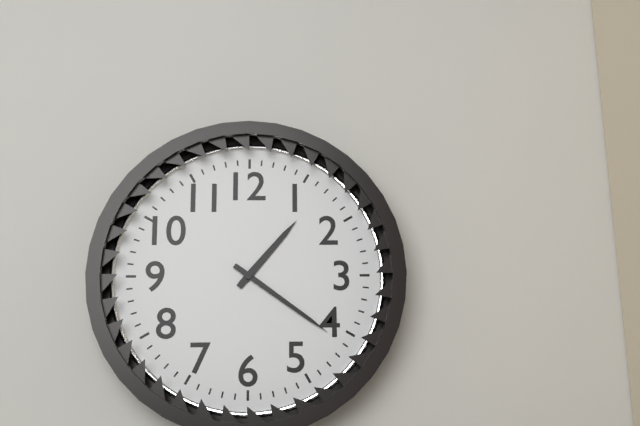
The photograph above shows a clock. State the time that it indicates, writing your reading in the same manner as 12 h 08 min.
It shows 1 h 21 min
